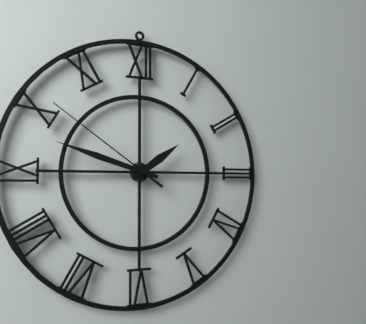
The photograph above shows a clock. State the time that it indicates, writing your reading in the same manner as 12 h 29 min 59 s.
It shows 1 h 48 min 51 s
